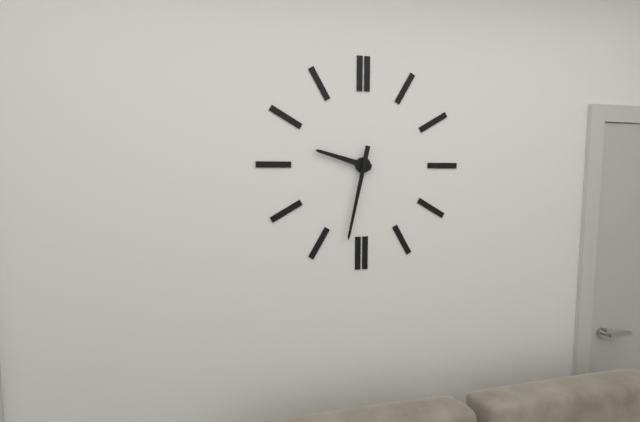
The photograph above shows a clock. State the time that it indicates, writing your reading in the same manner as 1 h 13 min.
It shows 9 h 32 min
